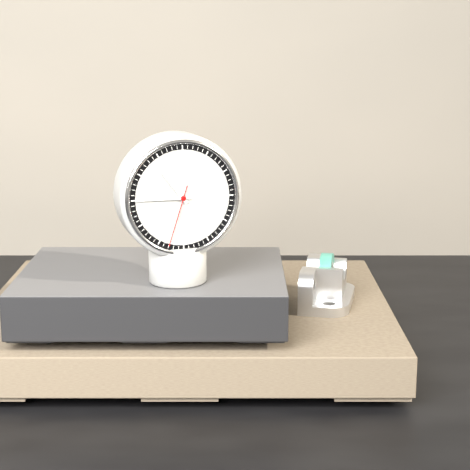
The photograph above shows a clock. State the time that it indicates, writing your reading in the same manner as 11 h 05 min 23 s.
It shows 10 h 45 min 33 s
